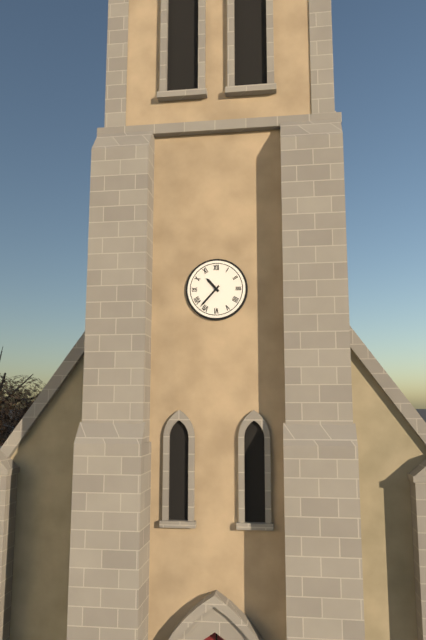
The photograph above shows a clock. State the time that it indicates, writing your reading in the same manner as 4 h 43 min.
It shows 10 h 37 min
